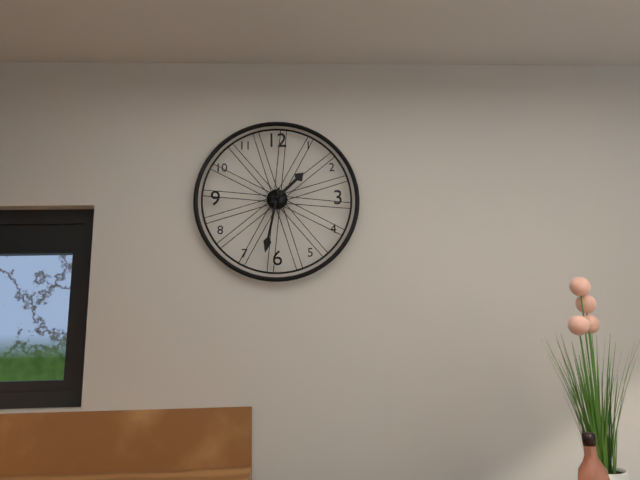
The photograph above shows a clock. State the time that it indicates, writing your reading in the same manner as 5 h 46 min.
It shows 1 h 32 min
